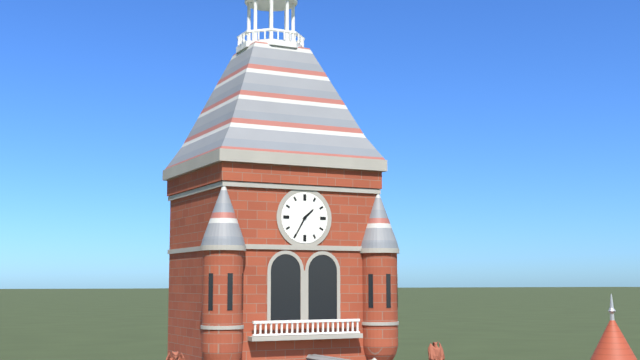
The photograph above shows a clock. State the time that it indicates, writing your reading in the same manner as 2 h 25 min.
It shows 1 h 35 min
